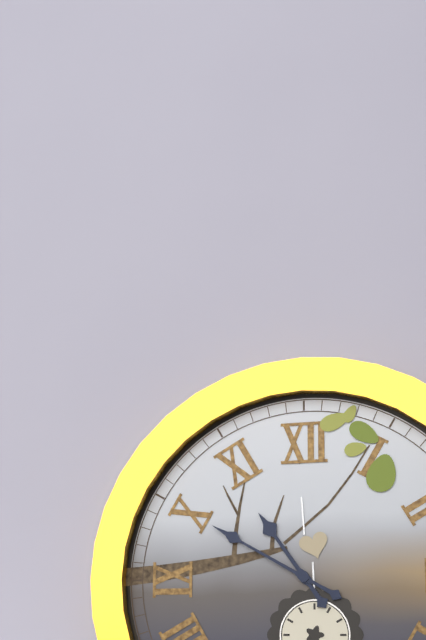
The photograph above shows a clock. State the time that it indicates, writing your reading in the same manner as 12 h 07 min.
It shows 10 h 50 min
